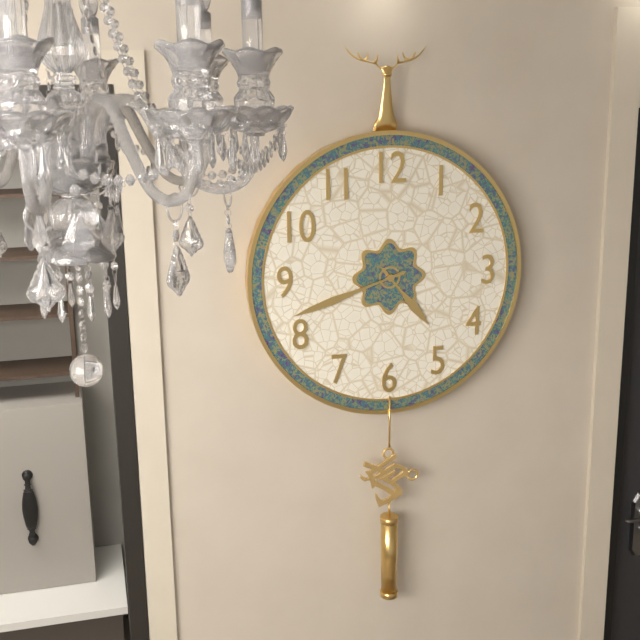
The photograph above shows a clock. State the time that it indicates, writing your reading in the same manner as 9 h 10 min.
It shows 4 h 42 min
